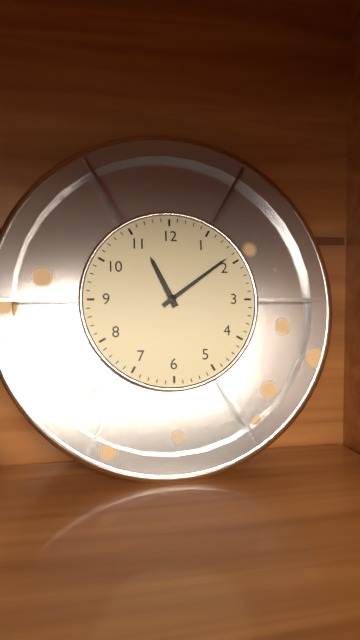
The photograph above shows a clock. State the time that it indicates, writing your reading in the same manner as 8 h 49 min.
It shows 11 h 09 min
